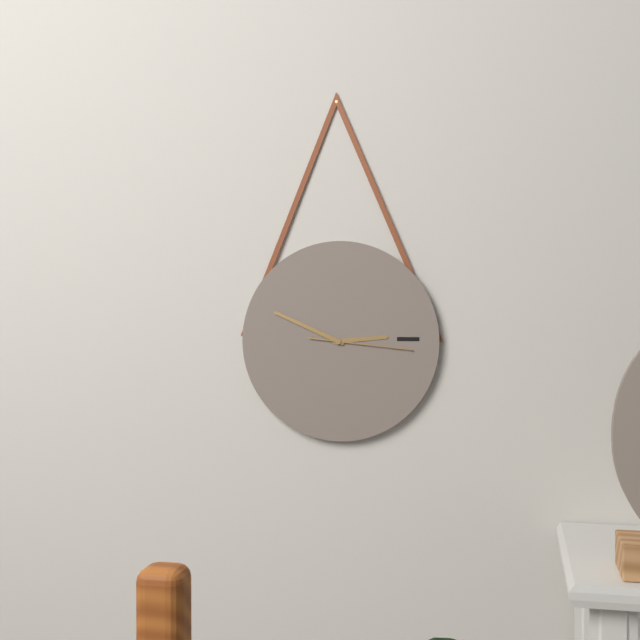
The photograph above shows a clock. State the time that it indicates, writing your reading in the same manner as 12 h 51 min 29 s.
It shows 2 h 49 min 16 s
